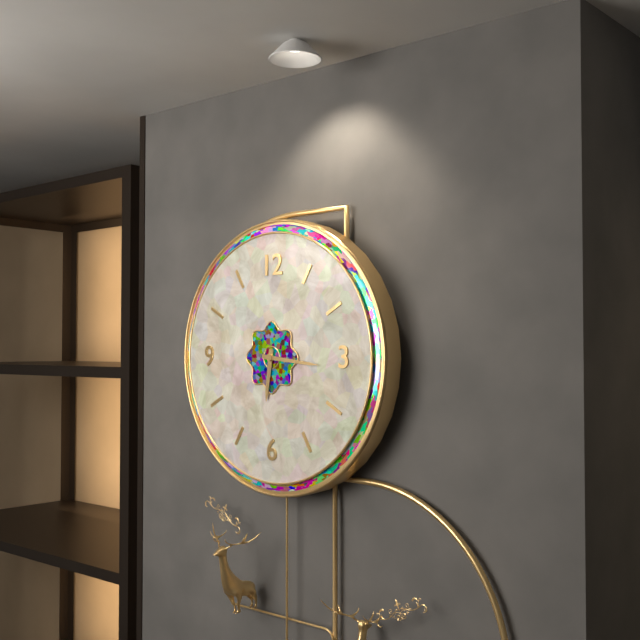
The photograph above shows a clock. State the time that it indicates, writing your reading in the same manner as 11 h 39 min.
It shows 6 h 16 min
